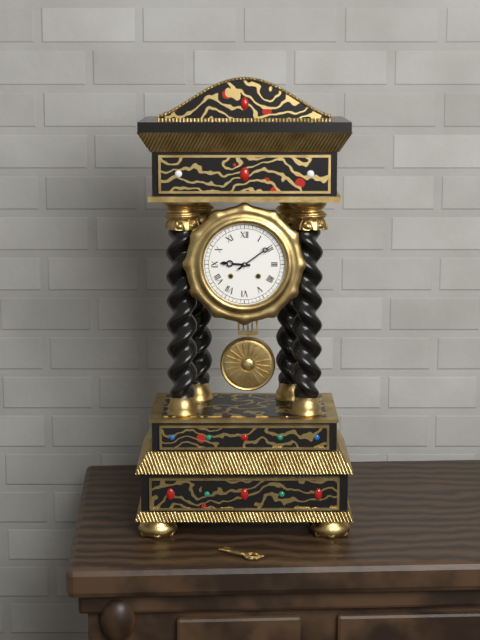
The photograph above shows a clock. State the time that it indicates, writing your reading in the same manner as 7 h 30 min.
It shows 9 h 09 min
